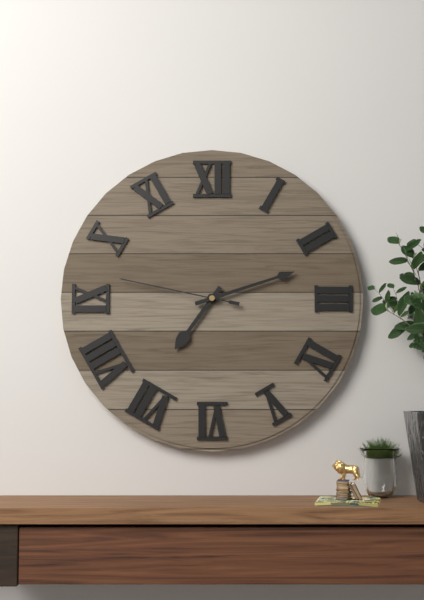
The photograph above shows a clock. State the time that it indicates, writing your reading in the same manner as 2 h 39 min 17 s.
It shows 7 h 12 min 47 s
